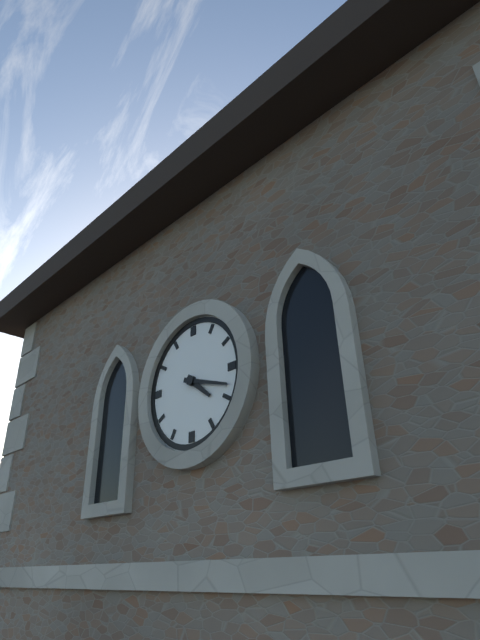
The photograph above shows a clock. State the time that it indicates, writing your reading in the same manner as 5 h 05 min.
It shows 4 h 18 min
